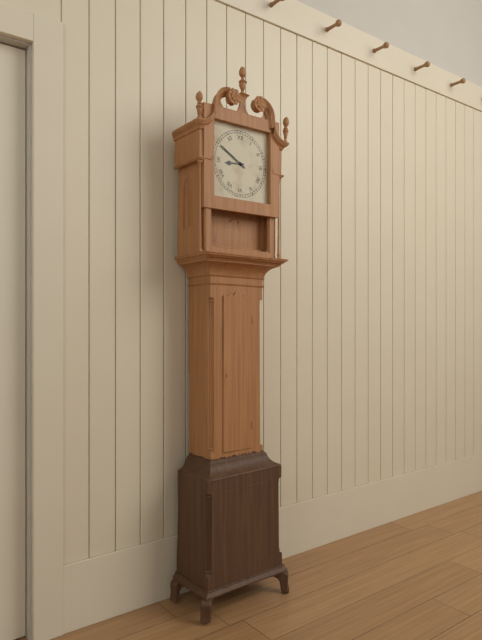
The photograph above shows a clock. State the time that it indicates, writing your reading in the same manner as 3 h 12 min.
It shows 8 h 50 min
